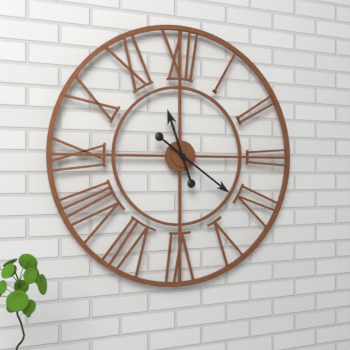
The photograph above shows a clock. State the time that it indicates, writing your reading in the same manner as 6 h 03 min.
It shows 11 h 21 min
